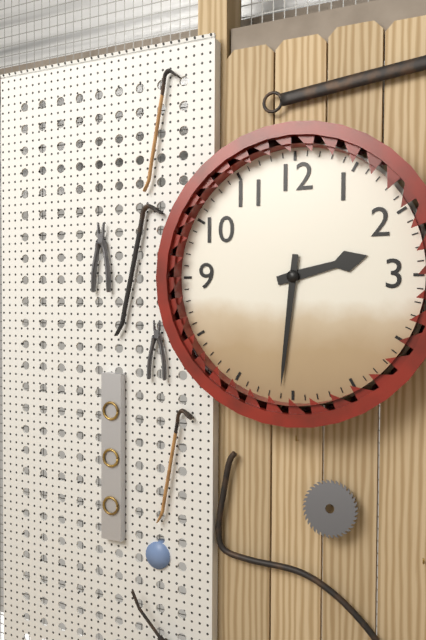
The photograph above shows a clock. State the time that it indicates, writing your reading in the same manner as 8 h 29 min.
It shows 2 h 31 min
